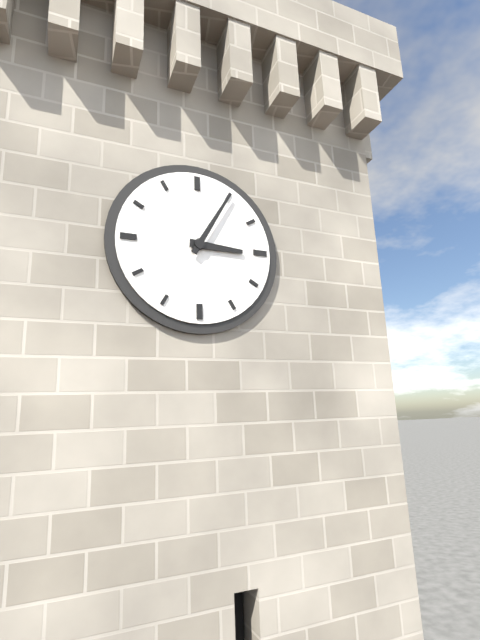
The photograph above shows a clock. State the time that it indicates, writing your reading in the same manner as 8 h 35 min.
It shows 3 h 05 min
